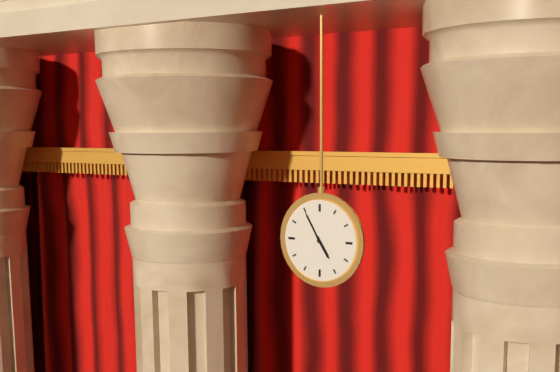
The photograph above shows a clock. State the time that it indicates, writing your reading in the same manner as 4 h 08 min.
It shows 4 h 55 min
